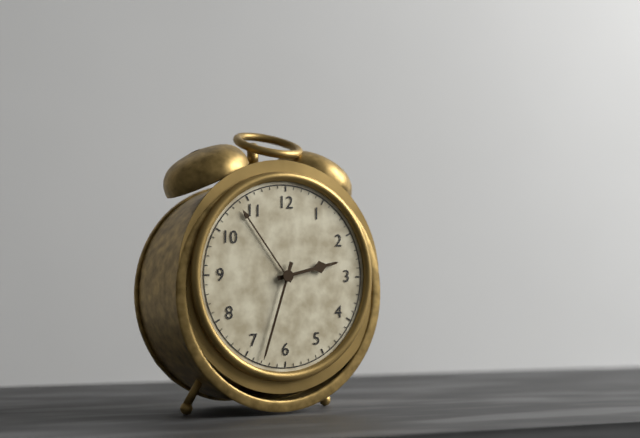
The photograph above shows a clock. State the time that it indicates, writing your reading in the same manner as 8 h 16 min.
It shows 2 h 33 min
